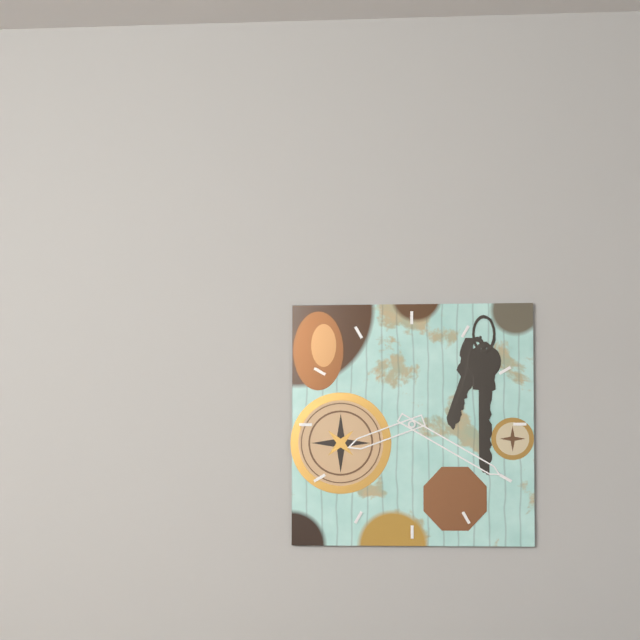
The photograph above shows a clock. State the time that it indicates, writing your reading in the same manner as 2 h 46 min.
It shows 8 h 20 min
